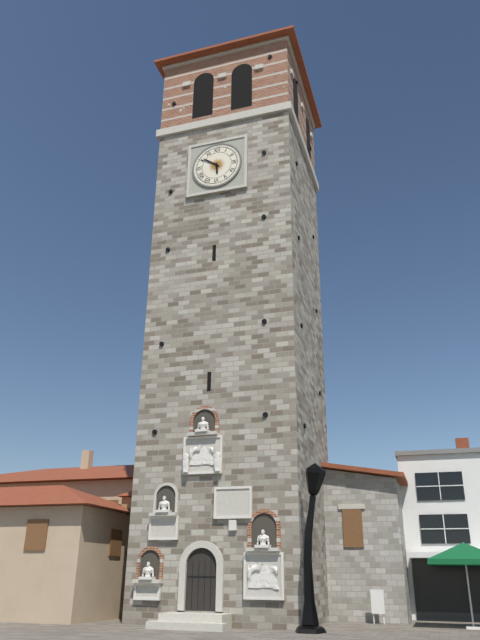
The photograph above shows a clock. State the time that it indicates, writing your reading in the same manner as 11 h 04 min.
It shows 5 h 51 min
